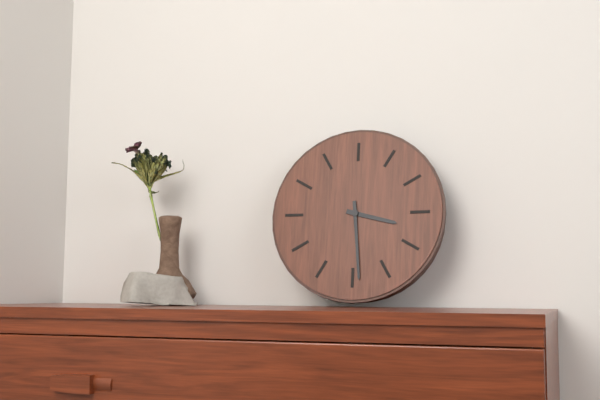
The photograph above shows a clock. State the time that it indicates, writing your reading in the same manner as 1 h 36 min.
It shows 3 h 29 min
